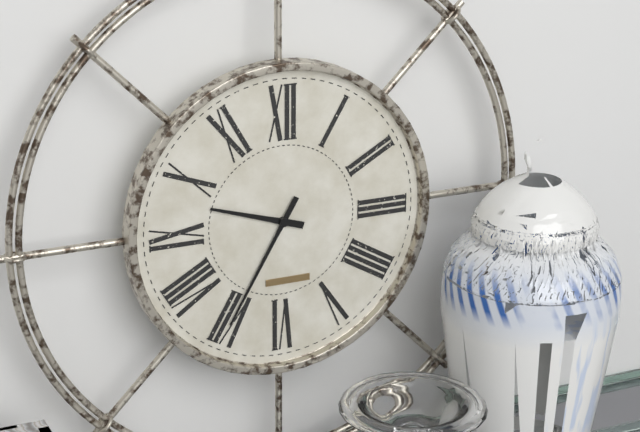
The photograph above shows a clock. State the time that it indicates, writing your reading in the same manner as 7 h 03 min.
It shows 9 h 35 min
